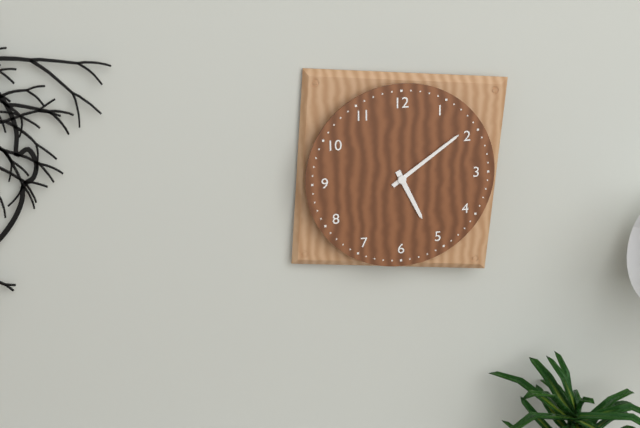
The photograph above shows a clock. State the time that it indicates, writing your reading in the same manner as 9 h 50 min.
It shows 5 h 09 min
